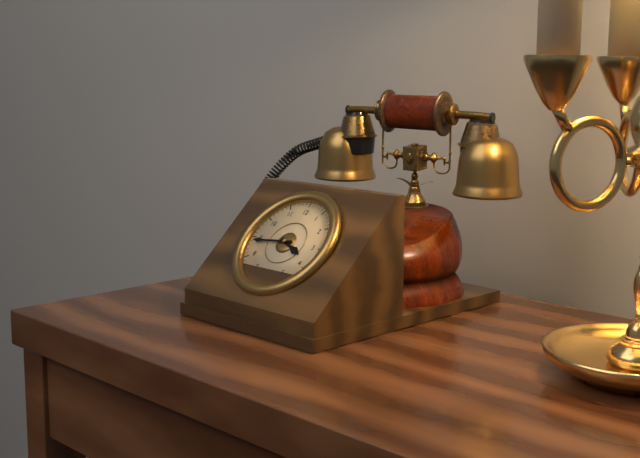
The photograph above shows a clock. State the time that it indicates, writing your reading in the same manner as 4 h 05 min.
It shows 3 h 44 min
